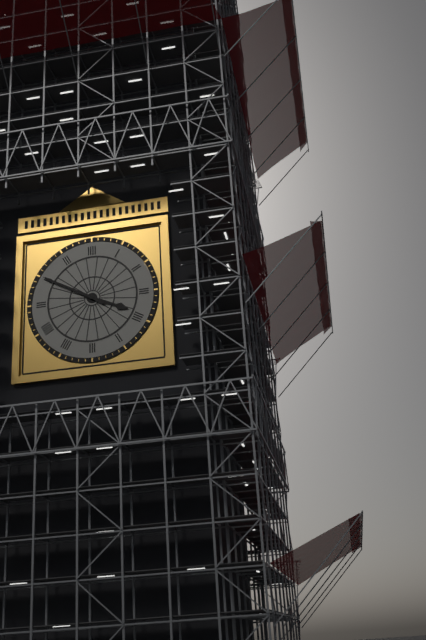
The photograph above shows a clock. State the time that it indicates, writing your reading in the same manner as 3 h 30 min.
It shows 3 h 50 min
